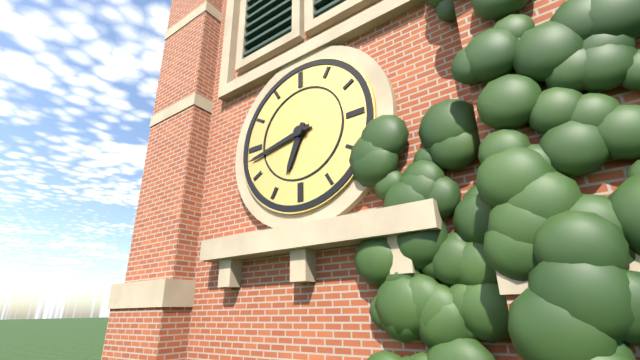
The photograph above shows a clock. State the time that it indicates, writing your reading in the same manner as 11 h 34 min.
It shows 6 h 43 min
